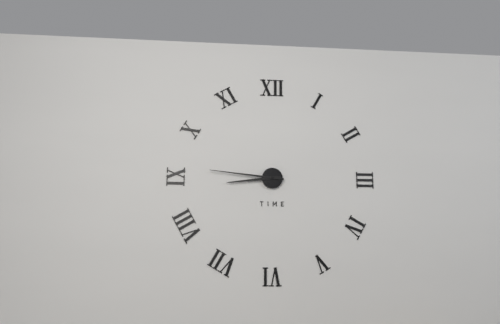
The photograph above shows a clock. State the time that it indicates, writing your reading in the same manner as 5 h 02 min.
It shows 8 h 46 min
